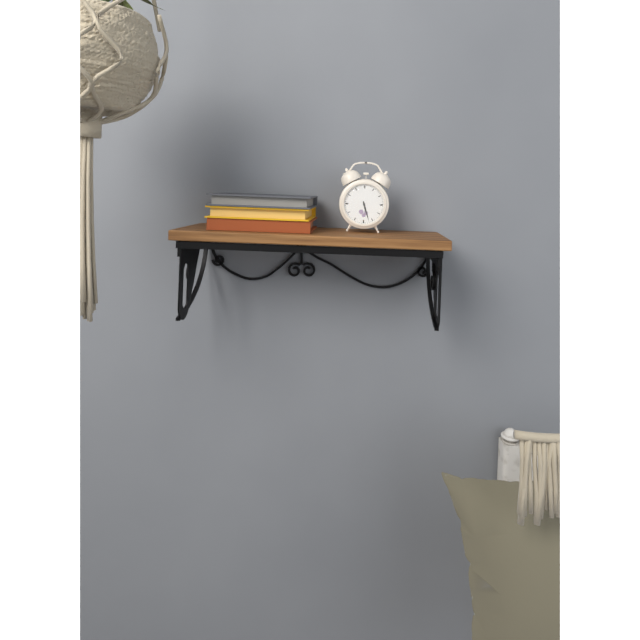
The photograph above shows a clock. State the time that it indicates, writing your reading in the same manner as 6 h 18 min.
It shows 5 h 27 min
